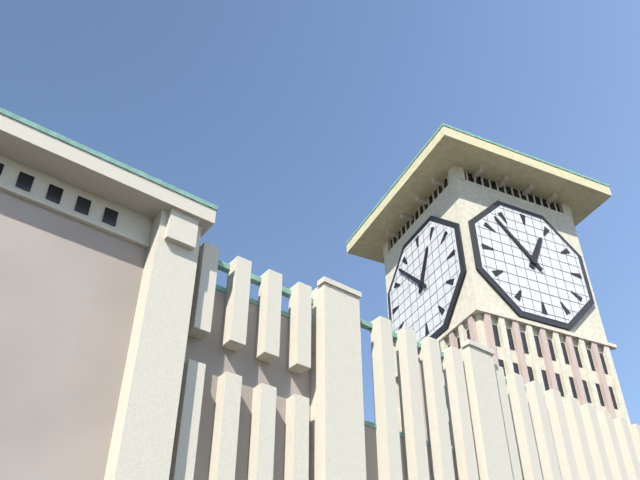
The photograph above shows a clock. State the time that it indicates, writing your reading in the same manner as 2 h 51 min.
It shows 12 h 53 min
